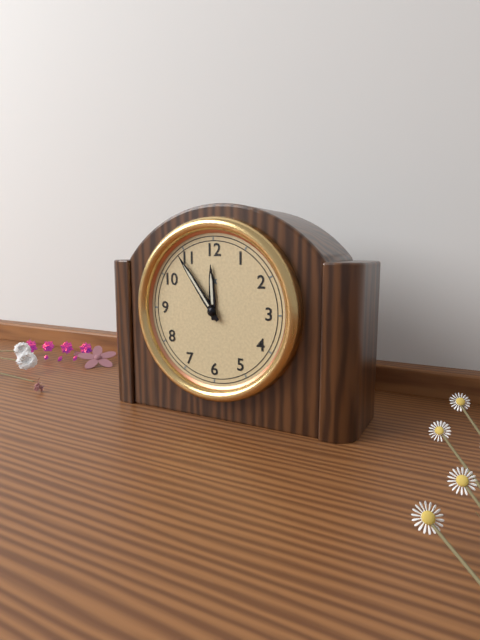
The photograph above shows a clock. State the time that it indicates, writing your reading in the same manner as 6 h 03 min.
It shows 11 h 54 min
